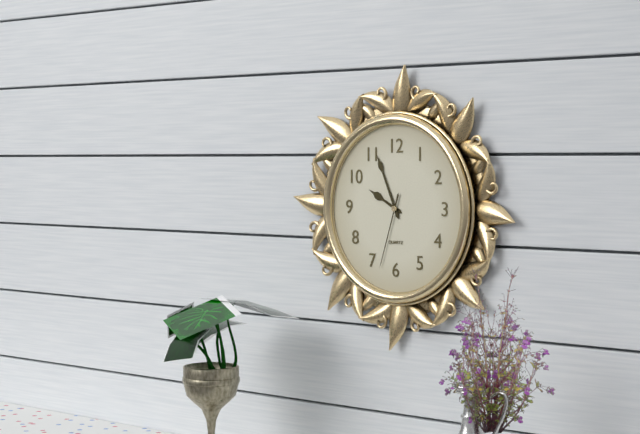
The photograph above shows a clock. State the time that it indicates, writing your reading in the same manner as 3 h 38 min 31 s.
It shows 9 h 56 min 33 s
